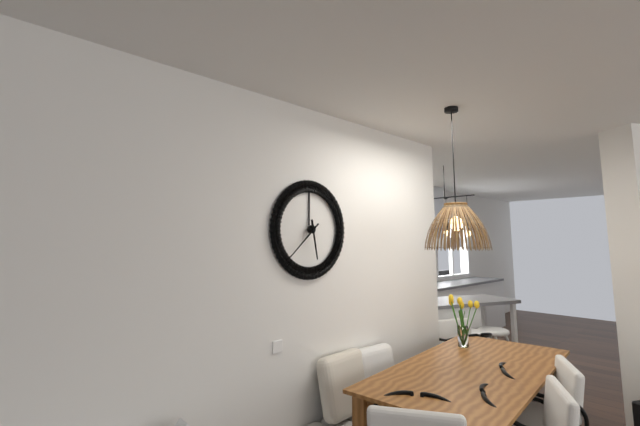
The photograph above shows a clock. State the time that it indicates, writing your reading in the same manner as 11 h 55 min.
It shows 5 h 38 min
